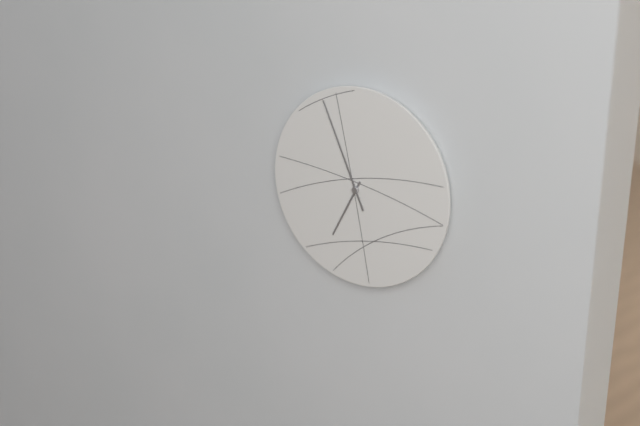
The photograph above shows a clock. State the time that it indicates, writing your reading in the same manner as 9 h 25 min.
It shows 6 h 56 min
